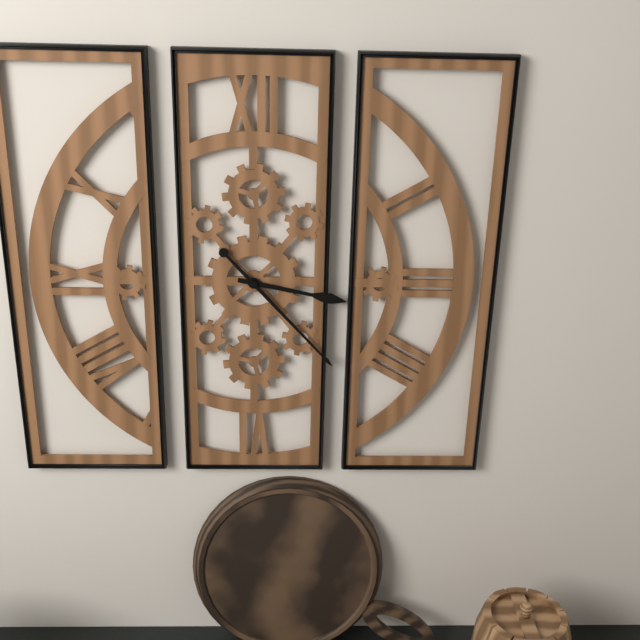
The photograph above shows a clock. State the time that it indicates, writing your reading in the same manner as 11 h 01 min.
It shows 3 h 23 min
